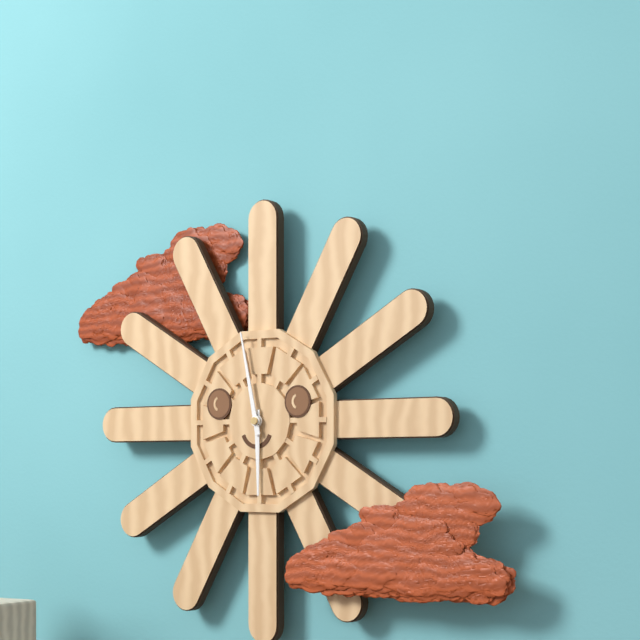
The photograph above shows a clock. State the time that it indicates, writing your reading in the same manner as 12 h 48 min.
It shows 5 h 58 min
